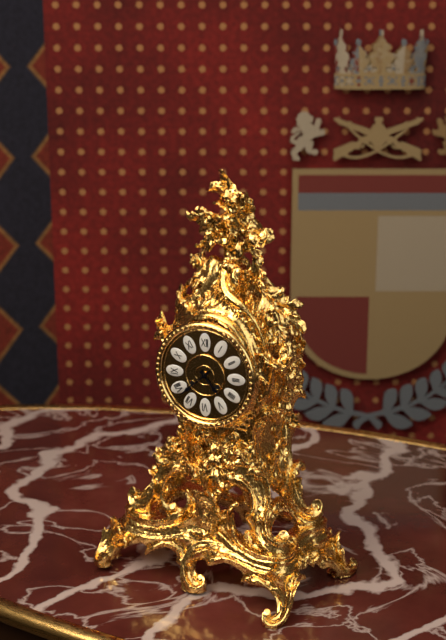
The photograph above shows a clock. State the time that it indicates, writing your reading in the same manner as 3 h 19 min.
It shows 4 h 38 min
